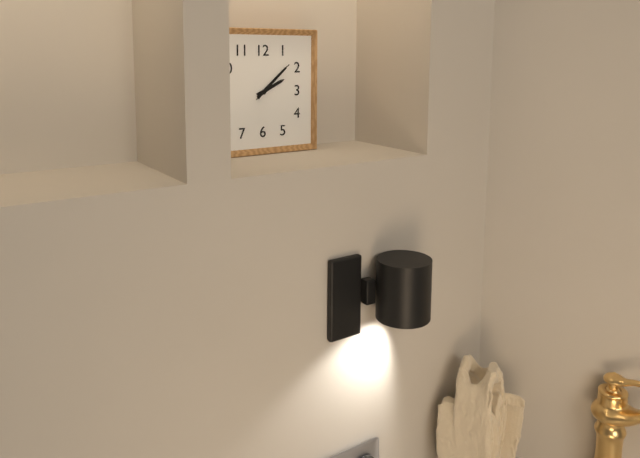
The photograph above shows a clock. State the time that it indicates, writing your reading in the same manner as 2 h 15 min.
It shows 2 h 08 min
